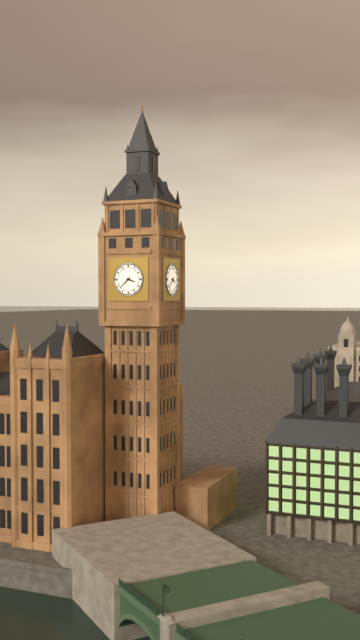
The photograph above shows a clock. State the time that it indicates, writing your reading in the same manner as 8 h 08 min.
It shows 3 h 38 min
